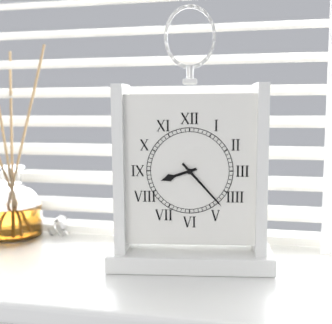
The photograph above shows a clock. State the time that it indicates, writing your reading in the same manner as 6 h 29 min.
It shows 8 h 23 min
